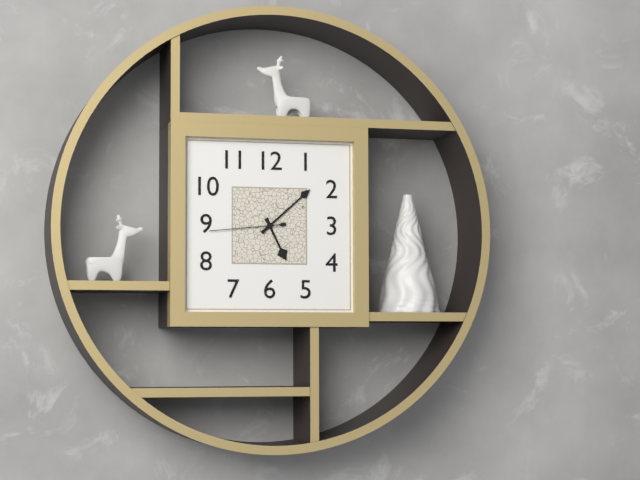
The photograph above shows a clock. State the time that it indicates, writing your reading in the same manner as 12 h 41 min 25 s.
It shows 5 h 08 min 44 s
